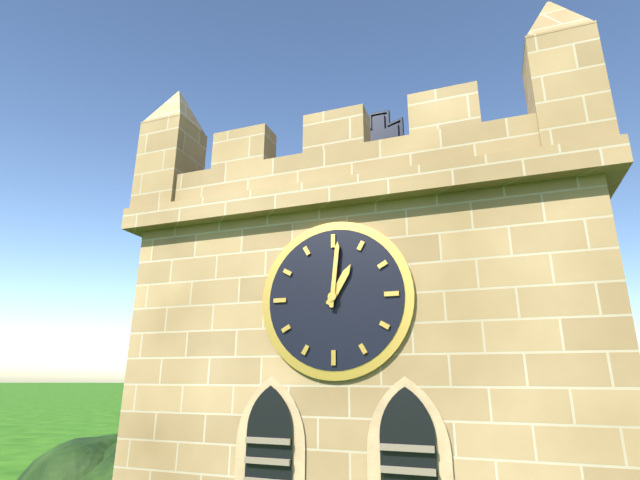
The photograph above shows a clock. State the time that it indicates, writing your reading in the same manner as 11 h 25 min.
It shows 1 h 01 min
